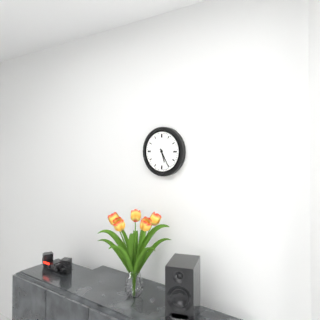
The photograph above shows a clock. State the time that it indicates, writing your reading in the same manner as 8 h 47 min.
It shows 5 h 25 min
